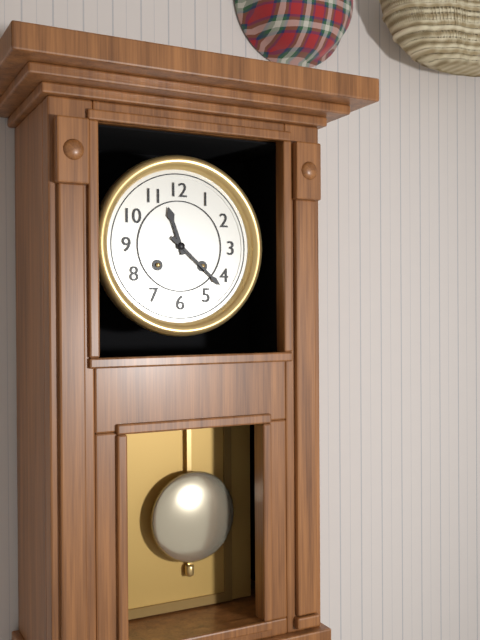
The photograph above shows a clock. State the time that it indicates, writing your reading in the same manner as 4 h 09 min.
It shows 11 h 22 min
